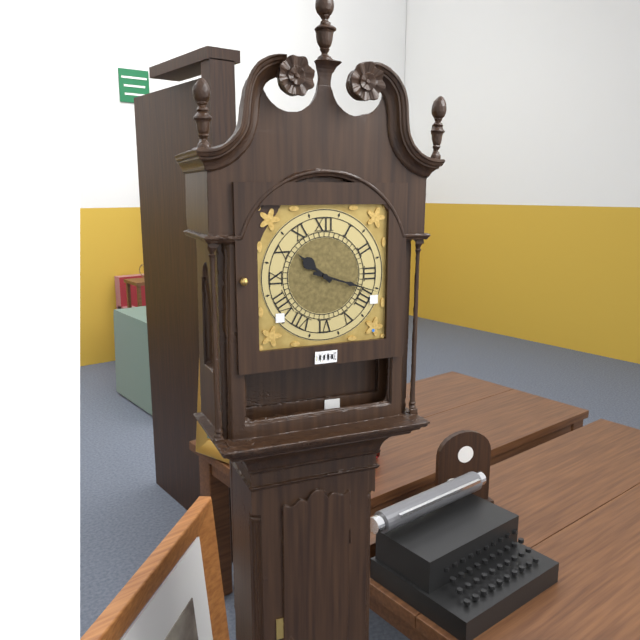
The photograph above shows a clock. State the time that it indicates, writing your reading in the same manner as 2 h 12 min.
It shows 10 h 18 min
